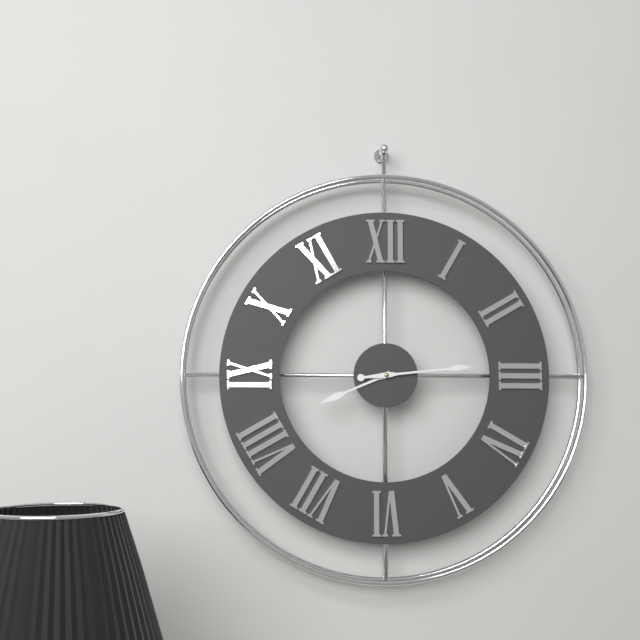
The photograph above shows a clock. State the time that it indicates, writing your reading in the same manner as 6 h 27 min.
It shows 8 h 14 min
